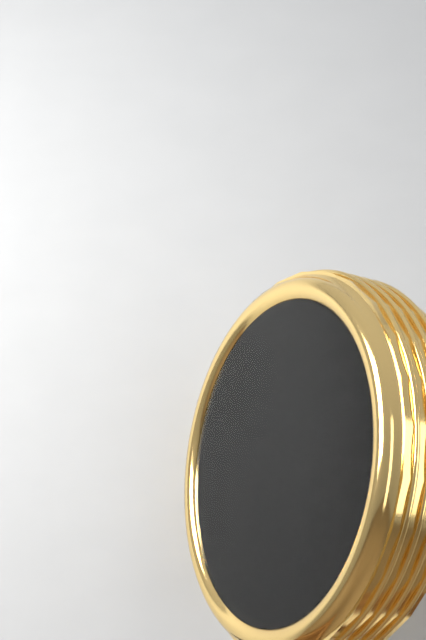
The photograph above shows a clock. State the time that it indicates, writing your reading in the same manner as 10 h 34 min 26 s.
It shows 6 h 11 min 36 s
